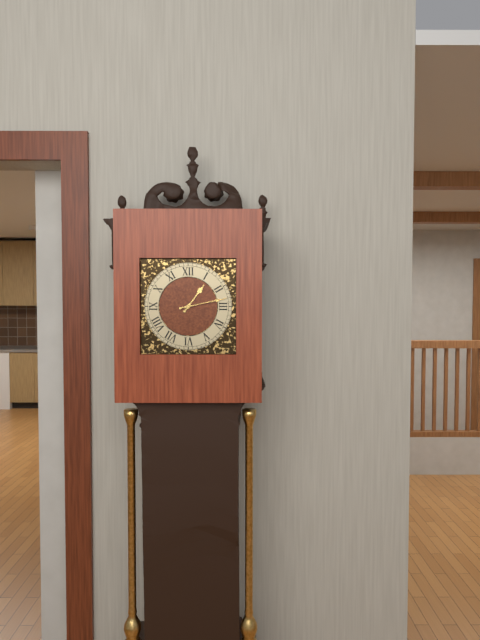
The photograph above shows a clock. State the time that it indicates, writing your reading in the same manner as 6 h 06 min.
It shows 1 h 13 min
